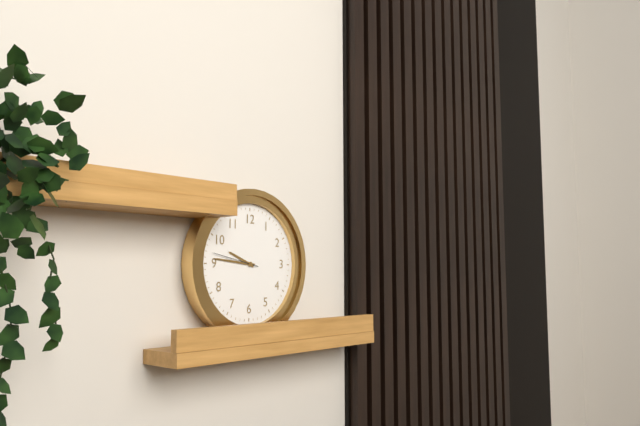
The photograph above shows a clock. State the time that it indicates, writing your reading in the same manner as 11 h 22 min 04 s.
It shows 9 h 46 min 47 s
